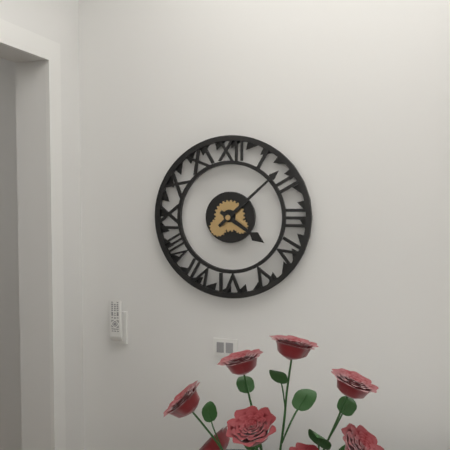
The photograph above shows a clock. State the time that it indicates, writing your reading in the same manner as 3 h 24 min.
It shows 4 h 08 min
